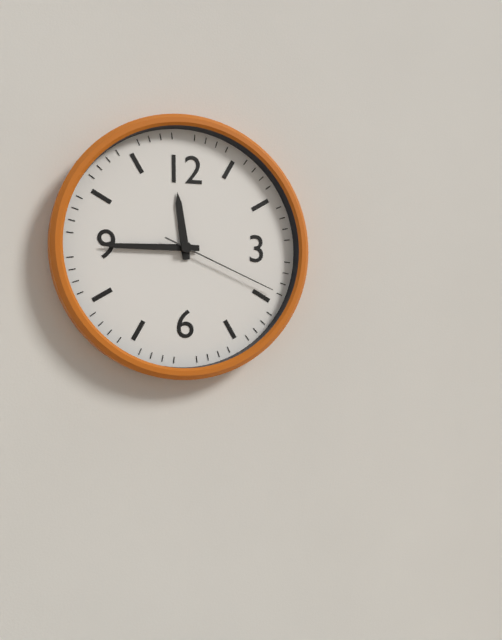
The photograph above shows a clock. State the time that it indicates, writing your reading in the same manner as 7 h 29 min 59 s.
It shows 11 h 45 min 19 s
